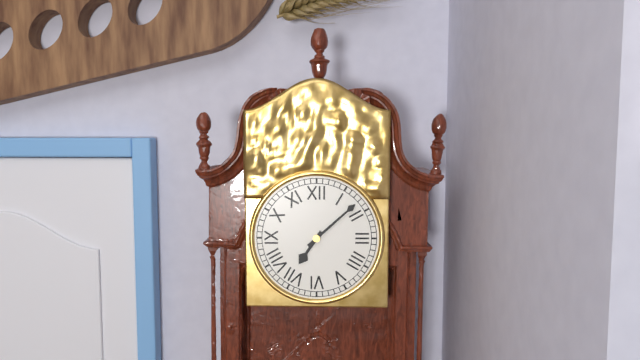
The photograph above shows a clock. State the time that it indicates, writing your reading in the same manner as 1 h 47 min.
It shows 7 h 08 min
